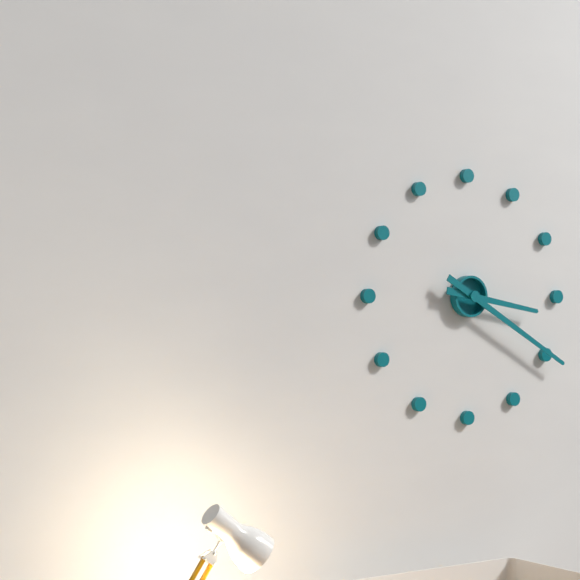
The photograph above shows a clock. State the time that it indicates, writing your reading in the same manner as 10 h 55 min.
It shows 3 h 20 min
